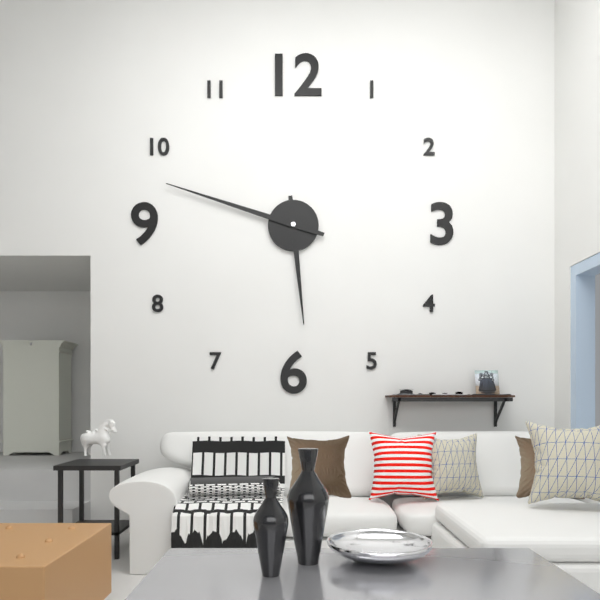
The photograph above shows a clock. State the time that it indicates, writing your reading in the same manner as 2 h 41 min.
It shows 5 h 48 min
